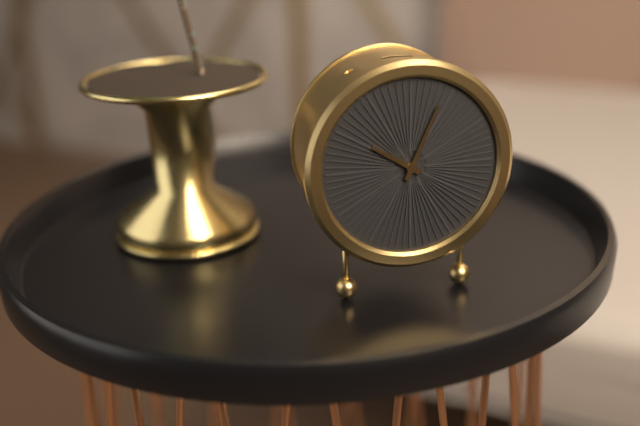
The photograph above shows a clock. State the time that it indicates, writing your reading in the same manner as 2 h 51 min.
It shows 10 h 04 min
